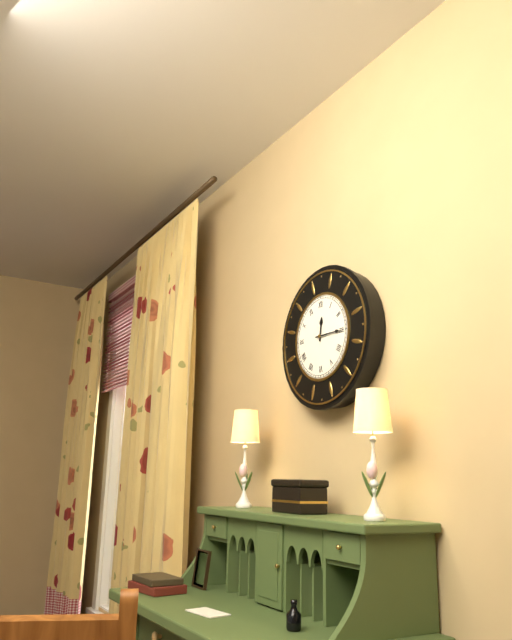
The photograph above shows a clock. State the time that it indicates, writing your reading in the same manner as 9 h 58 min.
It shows 12 h 15 min
